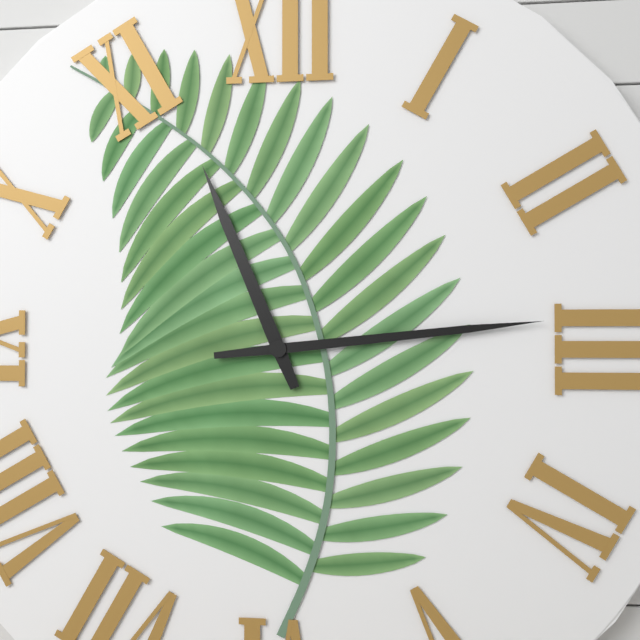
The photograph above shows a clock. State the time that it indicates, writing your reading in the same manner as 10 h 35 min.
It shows 11 h 14 min
